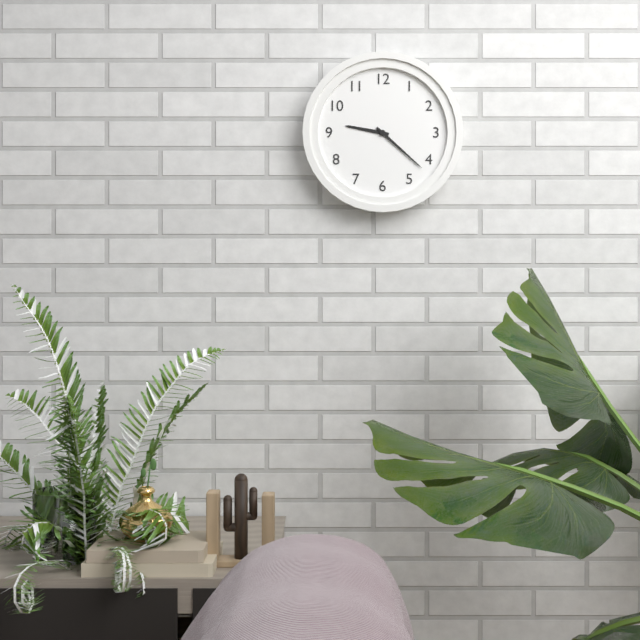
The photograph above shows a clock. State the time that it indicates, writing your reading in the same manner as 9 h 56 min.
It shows 9 h 22 min
